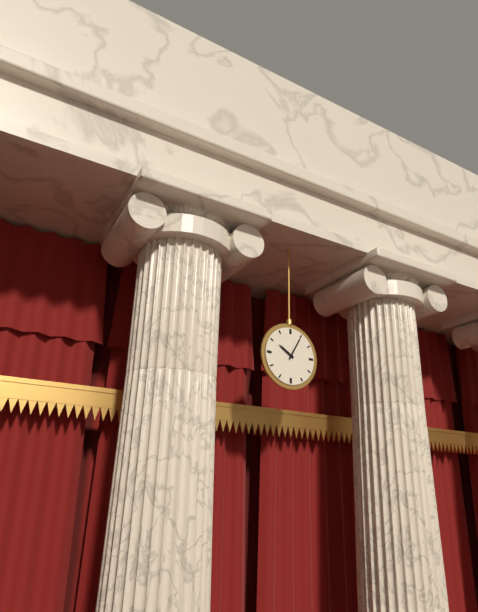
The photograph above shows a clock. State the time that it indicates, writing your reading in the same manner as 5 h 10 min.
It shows 10 h 05 min
